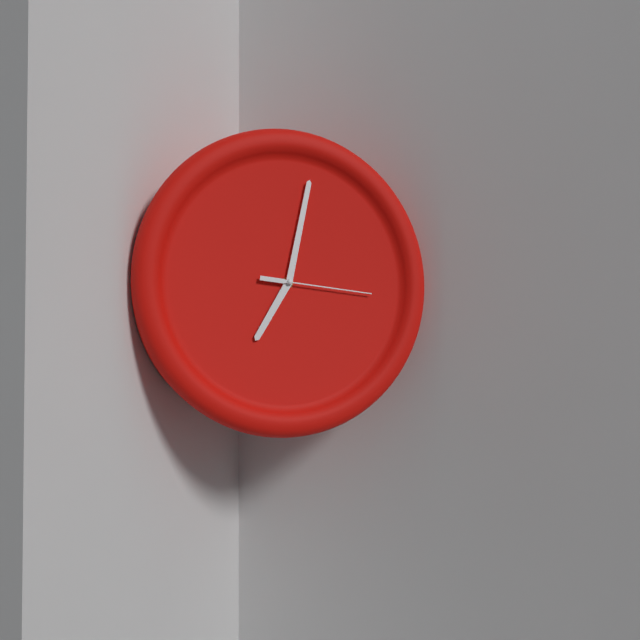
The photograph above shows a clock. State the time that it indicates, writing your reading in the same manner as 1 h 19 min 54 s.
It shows 7 h 02 min 16 s
